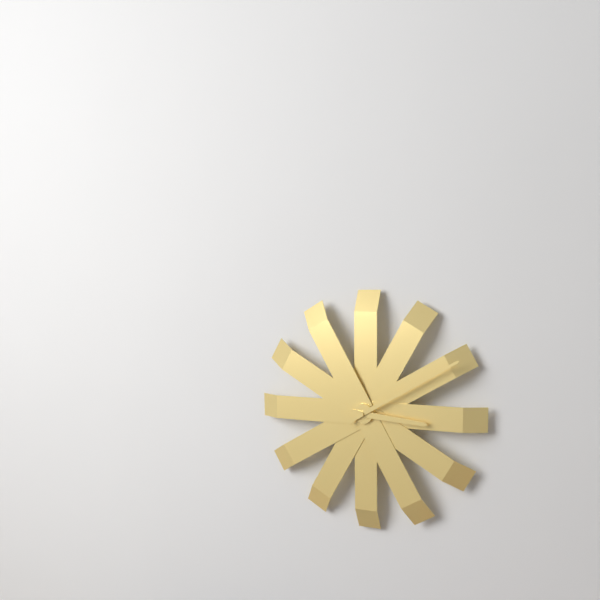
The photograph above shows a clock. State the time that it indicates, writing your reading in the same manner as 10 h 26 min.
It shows 3 h 10 min
